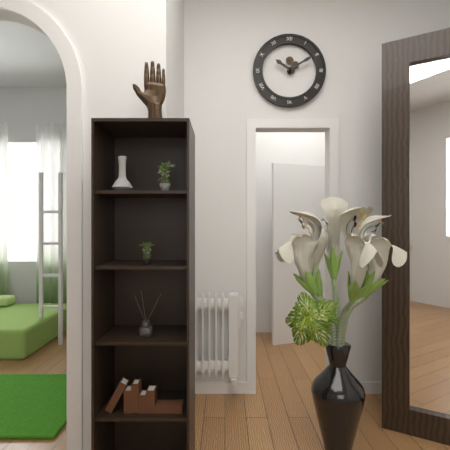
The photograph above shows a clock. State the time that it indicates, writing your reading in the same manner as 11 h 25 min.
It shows 10 h 10 min
